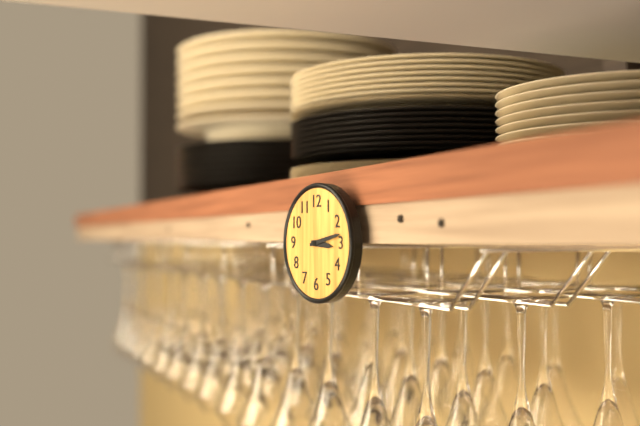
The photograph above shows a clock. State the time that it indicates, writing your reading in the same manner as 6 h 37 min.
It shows 3 h 13 min
